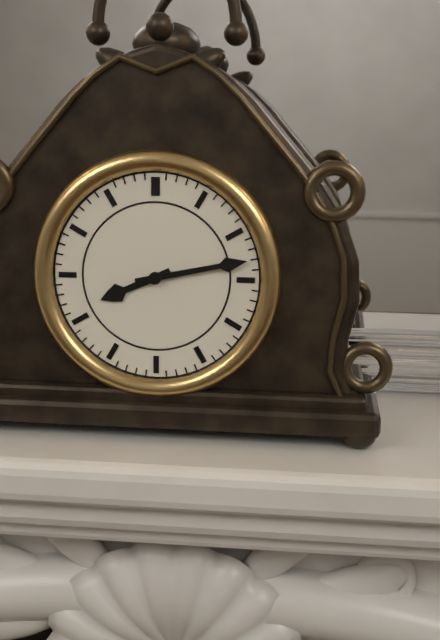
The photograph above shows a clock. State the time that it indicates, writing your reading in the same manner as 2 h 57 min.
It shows 8 h 13 min
